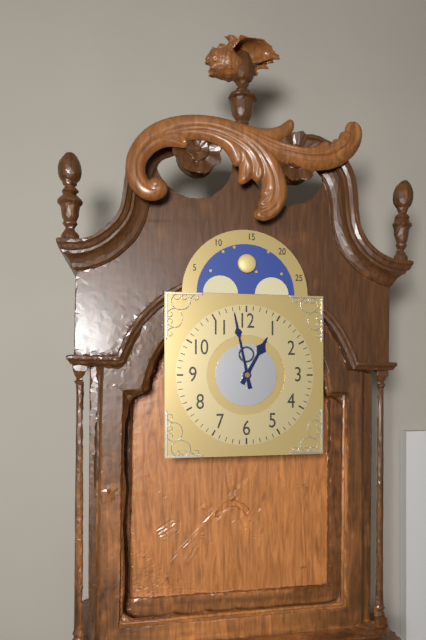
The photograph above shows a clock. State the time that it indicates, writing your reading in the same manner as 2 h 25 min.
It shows 12 h 58 min
